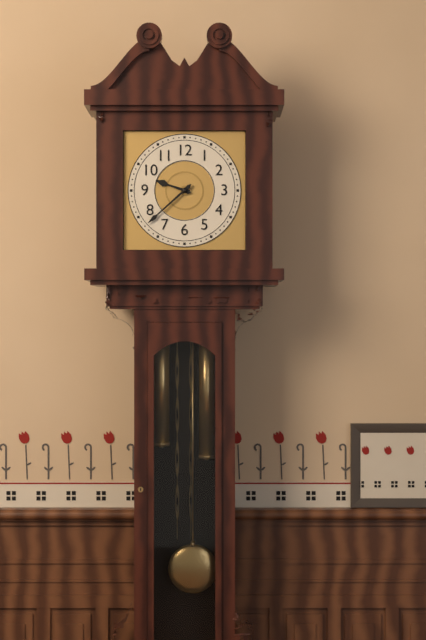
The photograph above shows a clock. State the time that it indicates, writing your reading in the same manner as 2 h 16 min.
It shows 9 h 38 min
